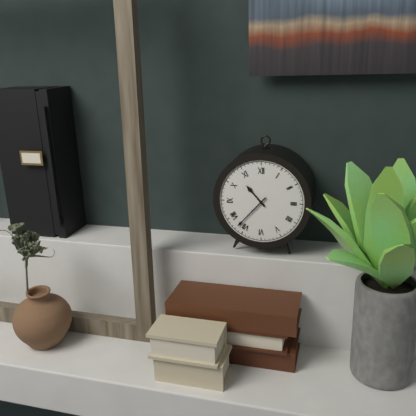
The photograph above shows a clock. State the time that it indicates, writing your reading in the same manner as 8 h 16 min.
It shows 10 h 37 min
